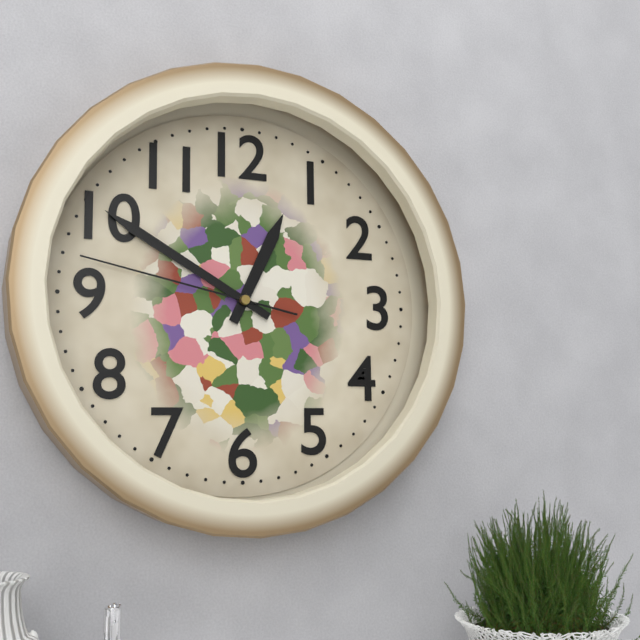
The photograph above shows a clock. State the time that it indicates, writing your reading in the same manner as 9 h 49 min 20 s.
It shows 12 h 50 min 47 s
